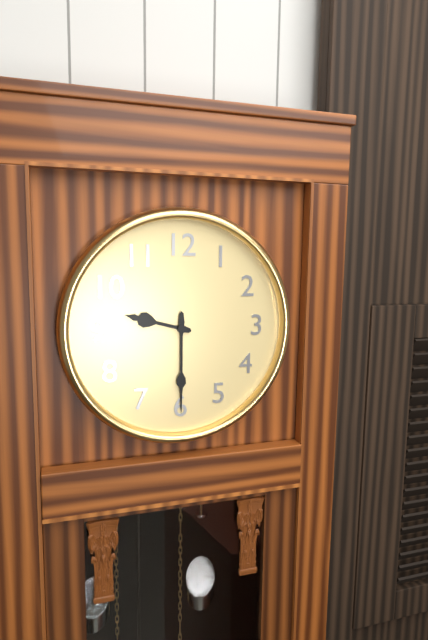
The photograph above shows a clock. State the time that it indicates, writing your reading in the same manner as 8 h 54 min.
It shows 9 h 30 min
